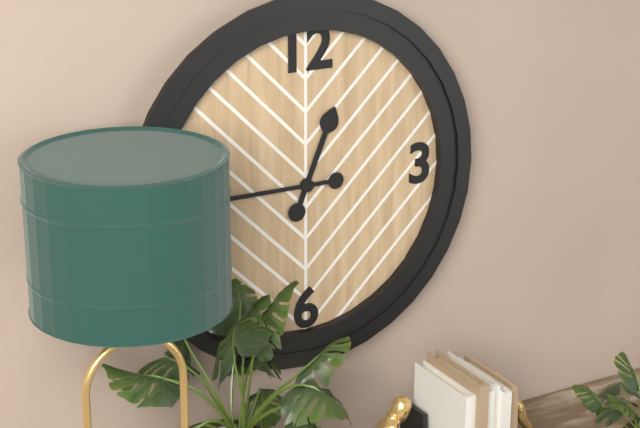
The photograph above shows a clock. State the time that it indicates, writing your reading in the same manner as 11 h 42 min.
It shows 12 h 45 min
